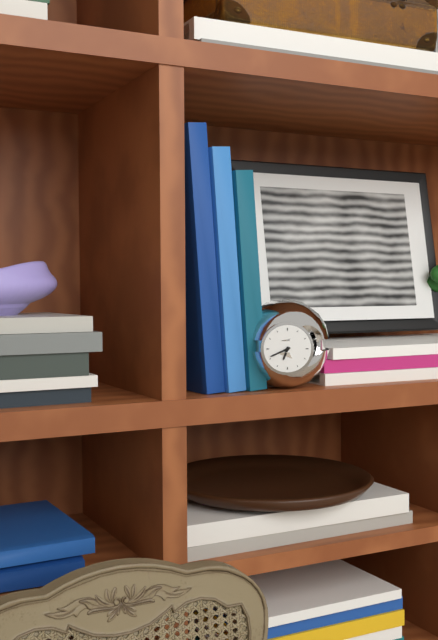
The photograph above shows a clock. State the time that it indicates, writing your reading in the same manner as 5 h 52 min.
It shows 6 h 41 min
